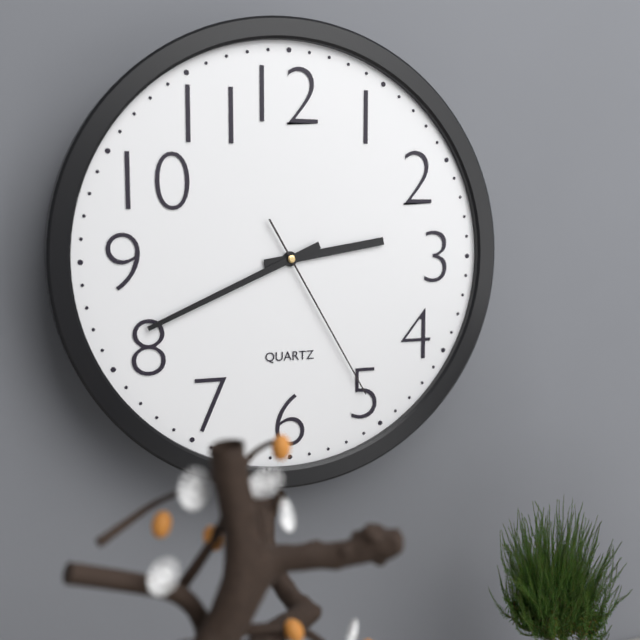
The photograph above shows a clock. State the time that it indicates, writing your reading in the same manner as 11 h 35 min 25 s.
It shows 2 h 41 min 25 s
